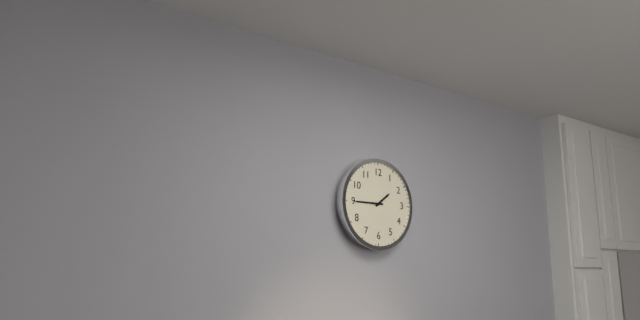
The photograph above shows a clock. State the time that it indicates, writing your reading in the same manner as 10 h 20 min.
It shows 1 h 45 min
